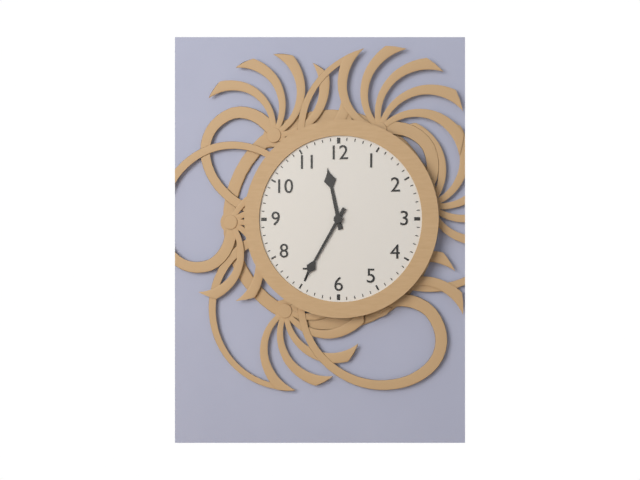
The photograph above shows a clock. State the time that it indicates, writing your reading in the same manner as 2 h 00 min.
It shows 11 h 35 min
